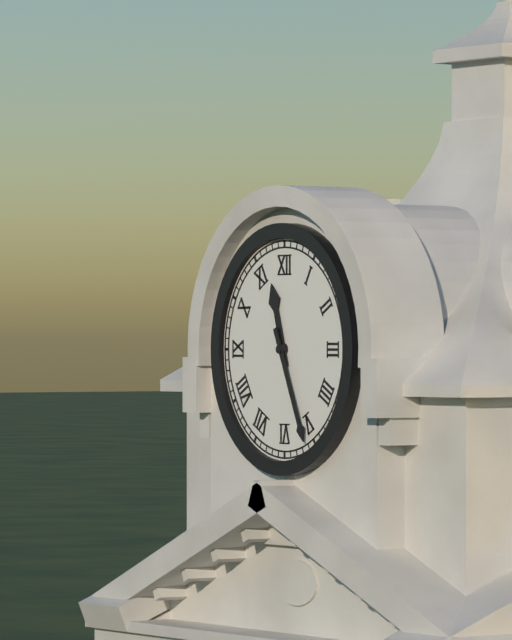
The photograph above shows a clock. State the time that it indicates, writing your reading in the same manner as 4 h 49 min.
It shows 11 h 26 min
